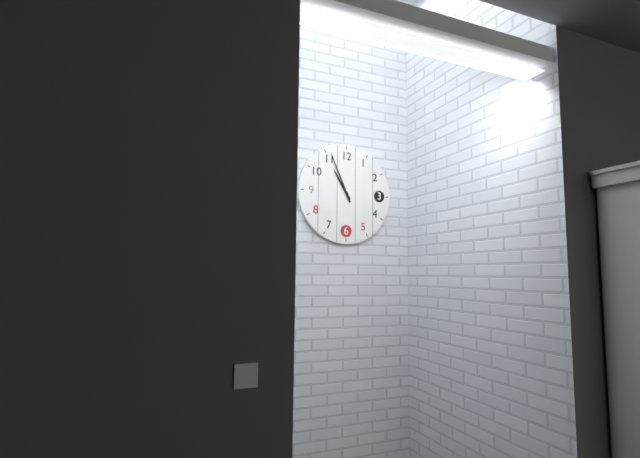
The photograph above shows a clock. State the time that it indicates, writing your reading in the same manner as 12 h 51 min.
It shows 10 h 56 min
